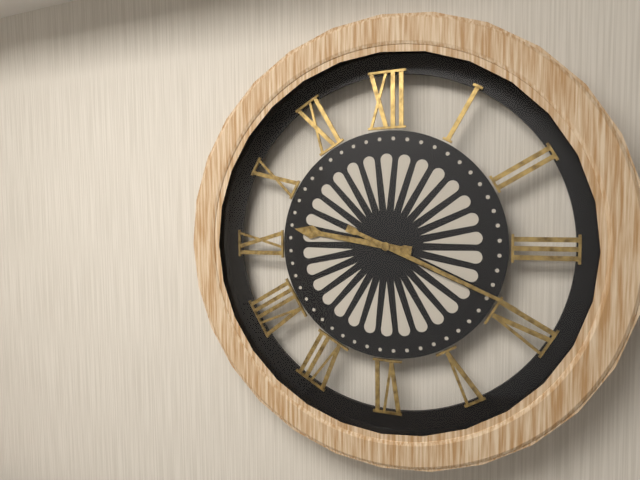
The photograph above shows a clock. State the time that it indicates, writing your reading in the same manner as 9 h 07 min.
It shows 9 h 19 min
